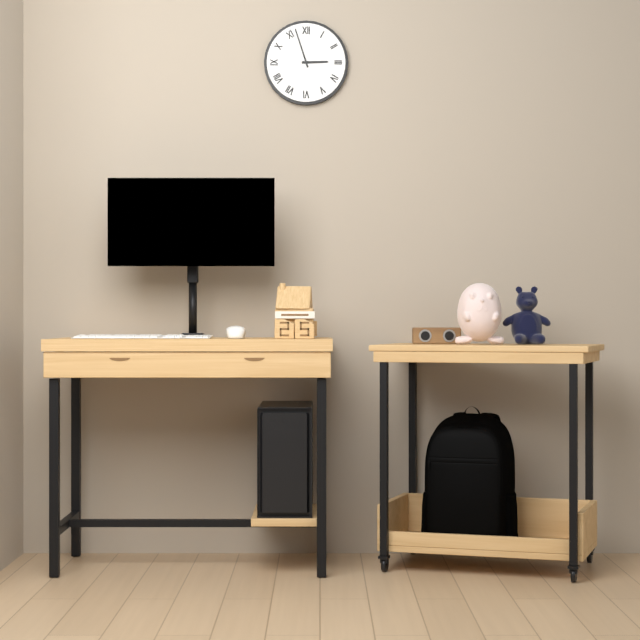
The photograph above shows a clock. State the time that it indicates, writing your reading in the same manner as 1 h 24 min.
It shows 2 h 57 min
